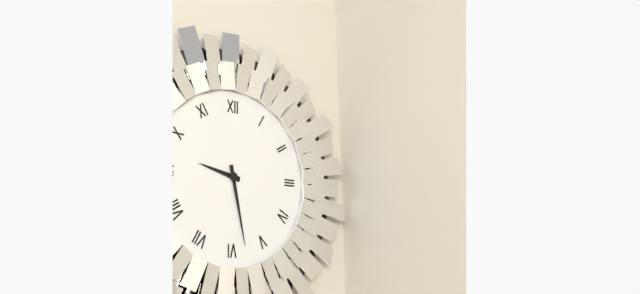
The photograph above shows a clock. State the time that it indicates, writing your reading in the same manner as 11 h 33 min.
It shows 9 h 28 min
